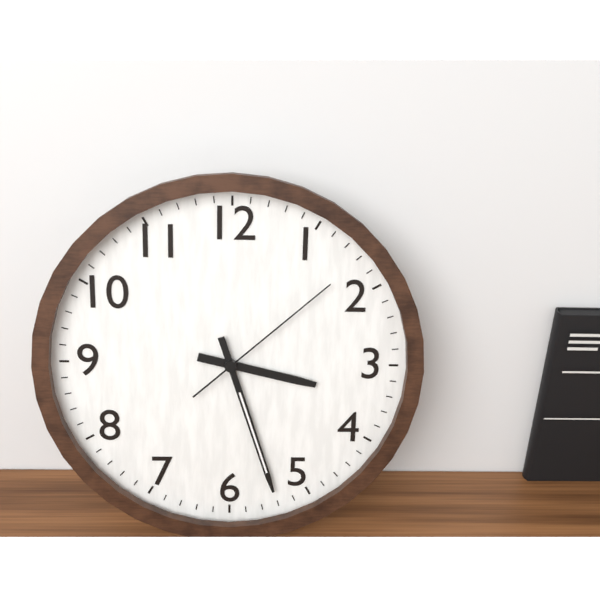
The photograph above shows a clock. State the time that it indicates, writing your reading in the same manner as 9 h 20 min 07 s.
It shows 3 h 27 min 08 s
